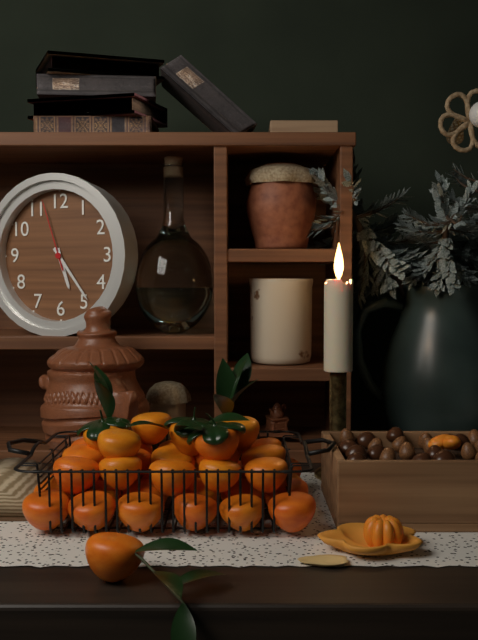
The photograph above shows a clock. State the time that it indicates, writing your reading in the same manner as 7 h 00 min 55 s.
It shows 5 h 24 min 57 s
